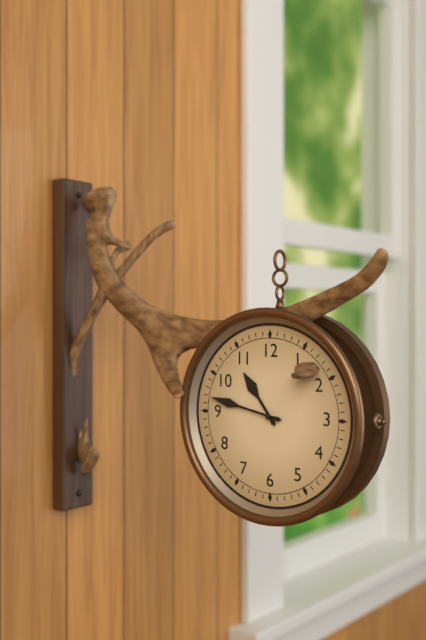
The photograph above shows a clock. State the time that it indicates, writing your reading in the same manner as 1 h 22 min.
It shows 10 h 47 min
